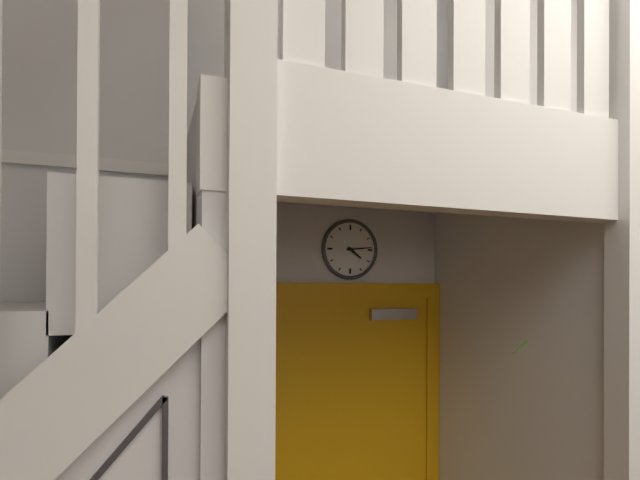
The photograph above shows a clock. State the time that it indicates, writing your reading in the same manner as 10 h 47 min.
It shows 4 h 14 min
